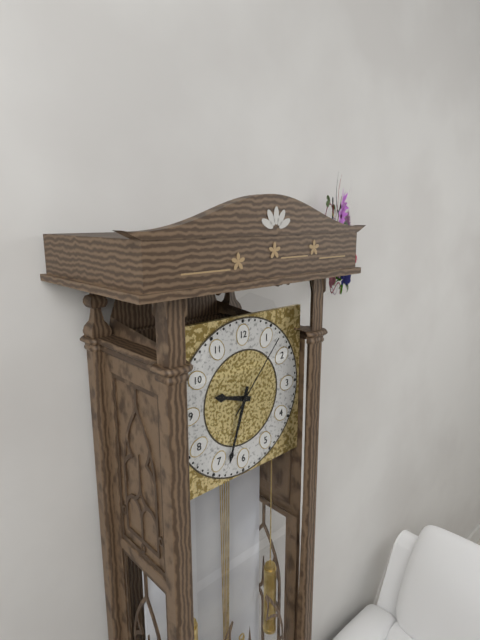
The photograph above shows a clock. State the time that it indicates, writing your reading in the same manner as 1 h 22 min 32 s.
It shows 9 h 33 min 07 s
